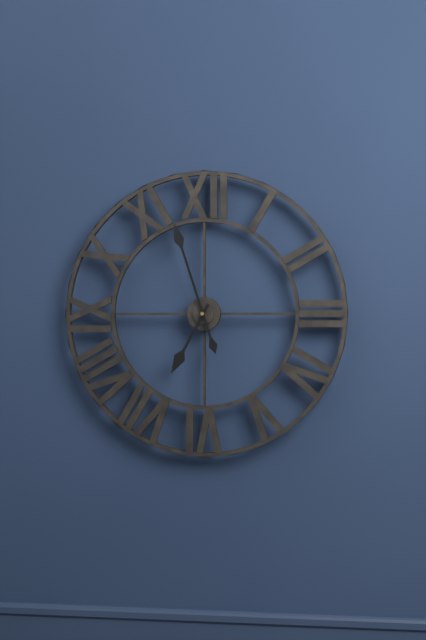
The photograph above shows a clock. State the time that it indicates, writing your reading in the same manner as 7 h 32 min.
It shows 6 h 57 min
